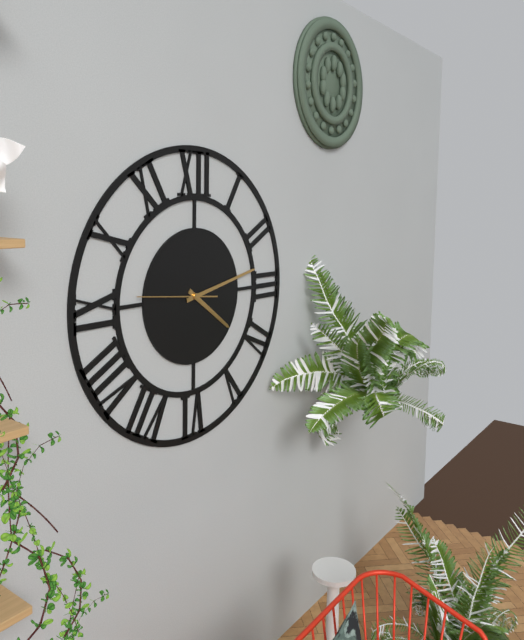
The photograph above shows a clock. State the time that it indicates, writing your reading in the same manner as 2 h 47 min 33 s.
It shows 4 h 13 min 46 s
